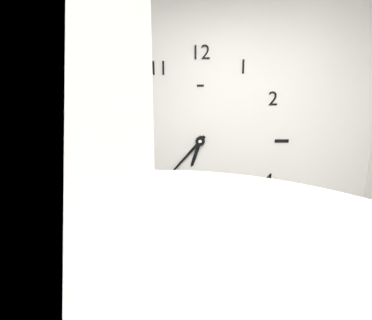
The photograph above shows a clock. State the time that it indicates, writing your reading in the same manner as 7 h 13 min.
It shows 6 h 37 min
